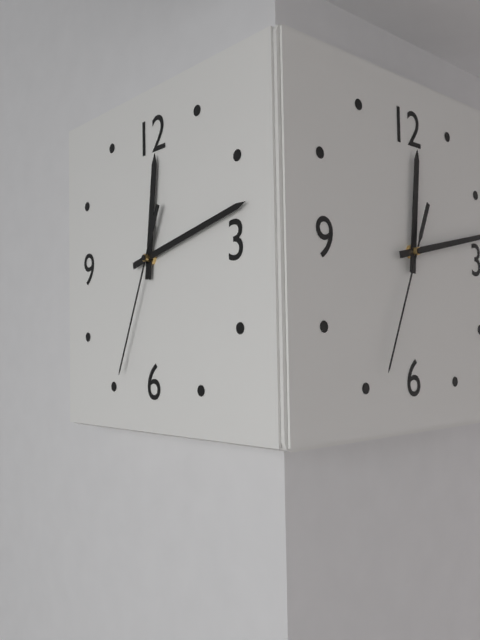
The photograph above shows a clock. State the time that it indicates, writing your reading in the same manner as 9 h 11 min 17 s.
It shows 12 h 13 min 34 s
